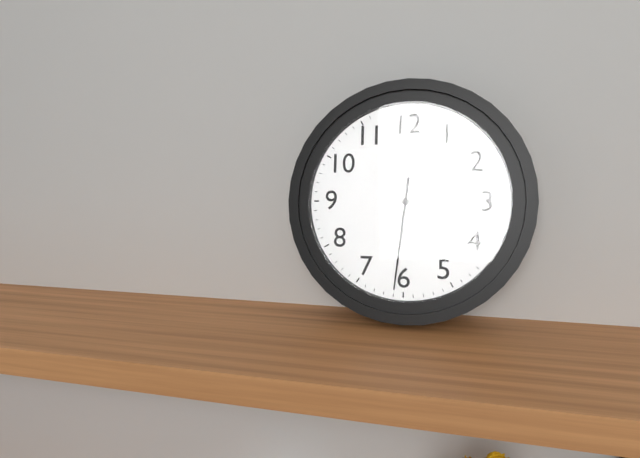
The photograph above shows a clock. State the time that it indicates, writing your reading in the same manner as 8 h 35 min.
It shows 12 h 31 min
